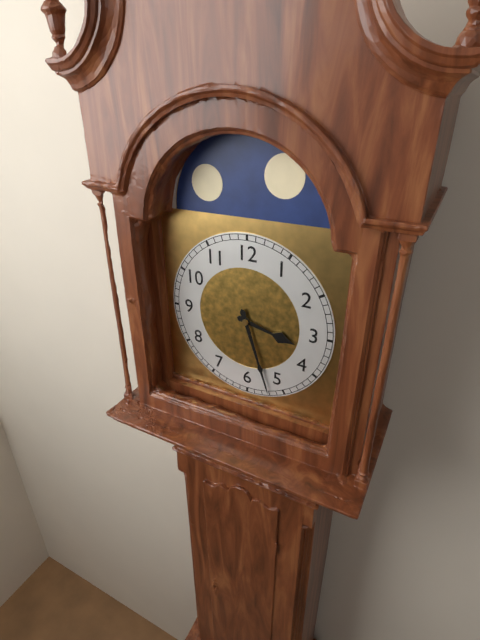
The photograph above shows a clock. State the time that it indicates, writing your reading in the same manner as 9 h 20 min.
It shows 3 h 27 min
